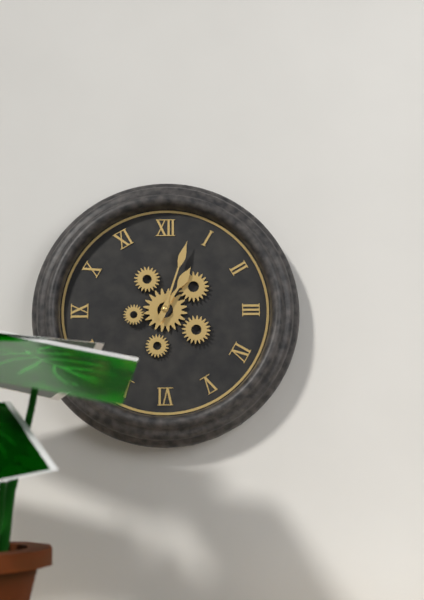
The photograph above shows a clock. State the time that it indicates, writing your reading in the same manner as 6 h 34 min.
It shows 1 h 03 min
